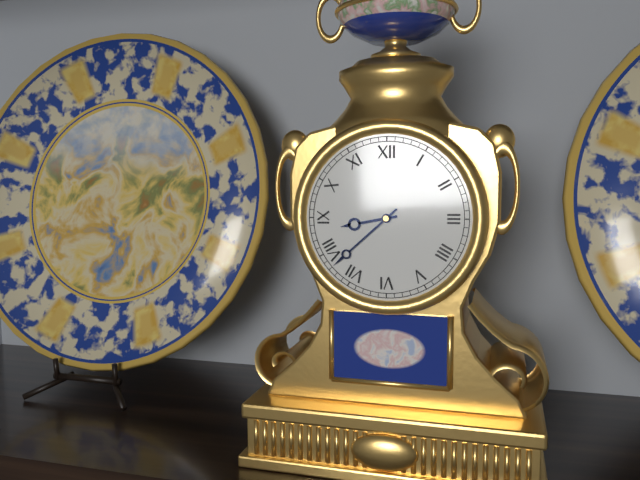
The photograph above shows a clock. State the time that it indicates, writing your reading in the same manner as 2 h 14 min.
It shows 8 h 38 min
